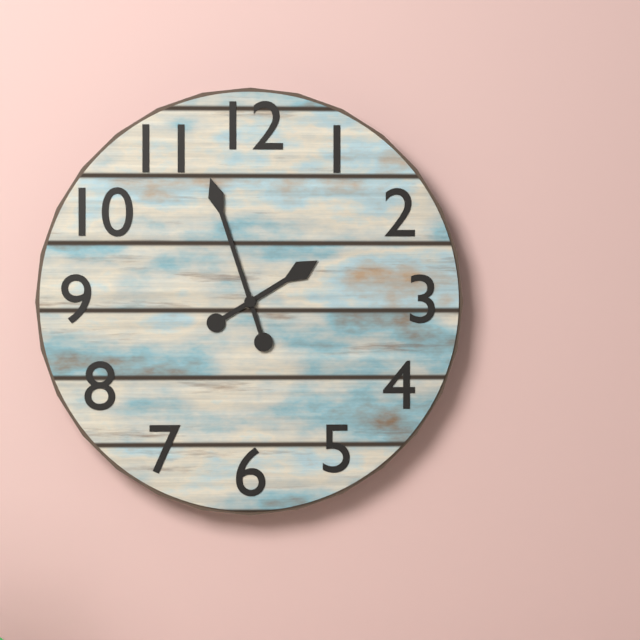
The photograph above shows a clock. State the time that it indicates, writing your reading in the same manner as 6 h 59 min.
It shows 1 h 57 min
